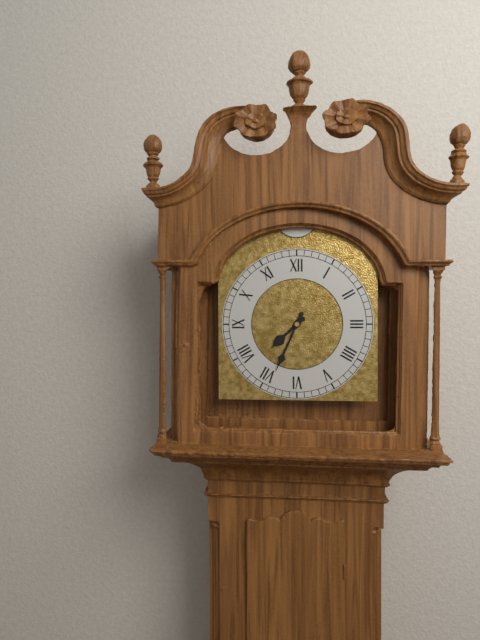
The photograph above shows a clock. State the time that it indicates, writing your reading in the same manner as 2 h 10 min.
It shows 7 h 34 min
